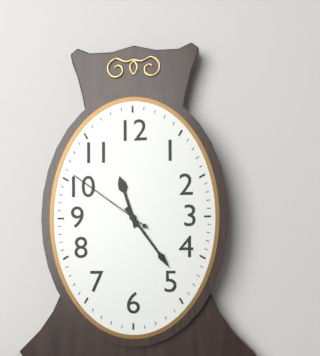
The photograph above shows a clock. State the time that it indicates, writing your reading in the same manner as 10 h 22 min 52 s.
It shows 11 h 24 min 51 s
